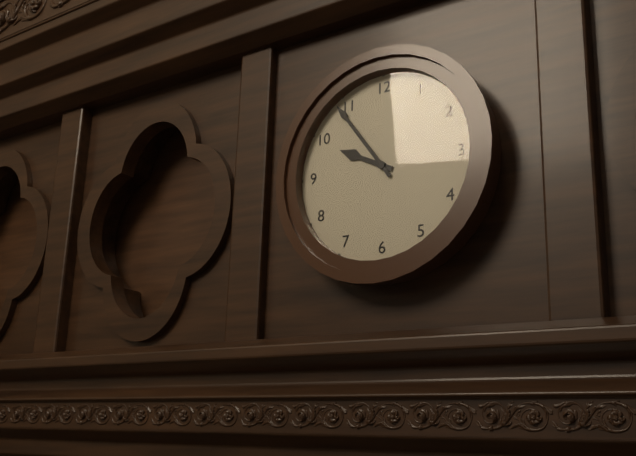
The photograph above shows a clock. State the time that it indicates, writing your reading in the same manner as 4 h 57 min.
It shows 9 h 54 min
